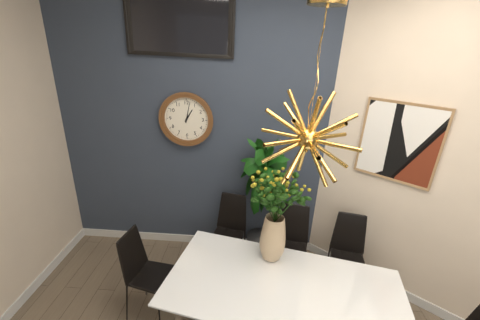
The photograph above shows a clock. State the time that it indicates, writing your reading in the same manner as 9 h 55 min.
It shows 1 h 02 min
